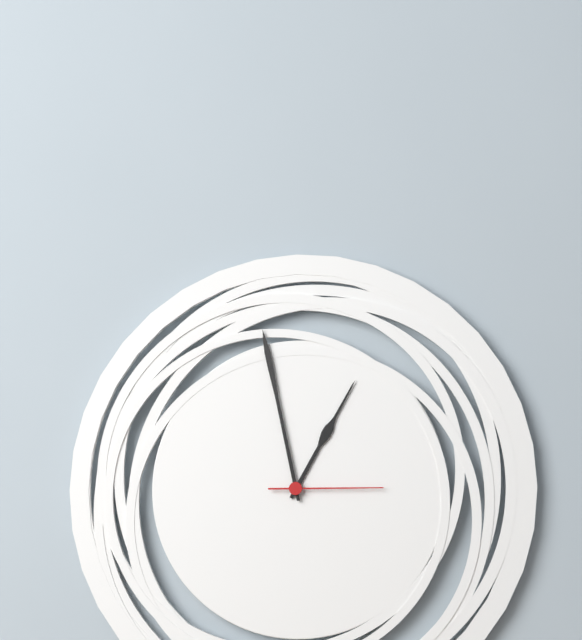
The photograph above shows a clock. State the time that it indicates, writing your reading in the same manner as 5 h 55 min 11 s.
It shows 12 h 58 min 15 s
